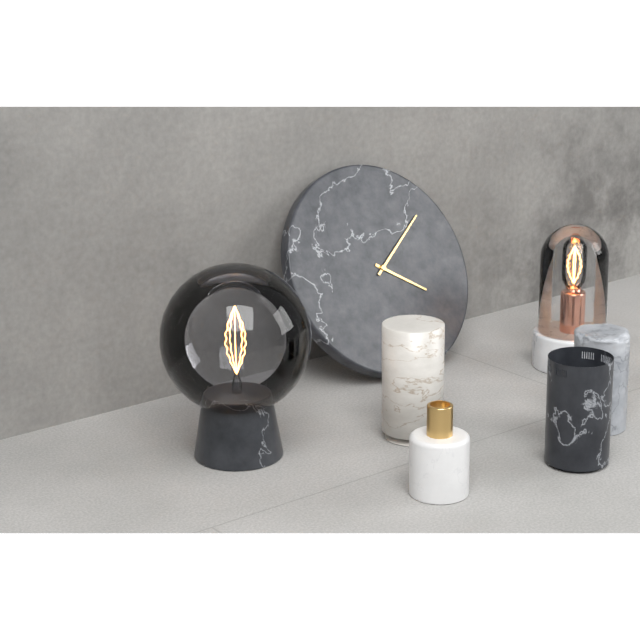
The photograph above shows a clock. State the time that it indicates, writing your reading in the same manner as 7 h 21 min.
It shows 4 h 09 min
